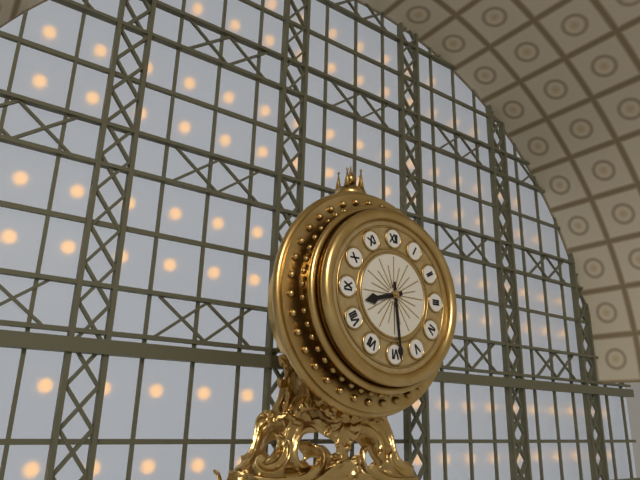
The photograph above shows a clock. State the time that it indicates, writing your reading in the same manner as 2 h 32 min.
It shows 8 h 29 min
